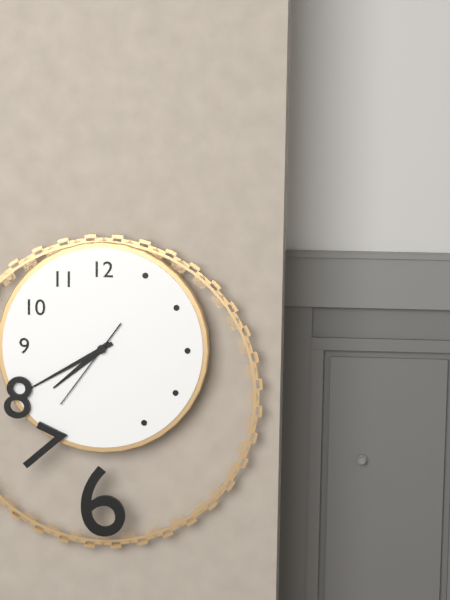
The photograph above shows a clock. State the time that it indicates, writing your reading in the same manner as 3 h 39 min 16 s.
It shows 7 h 40 min 36 s
